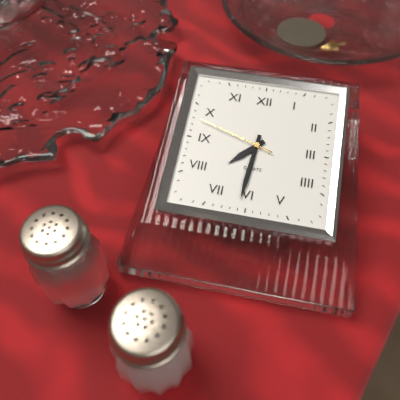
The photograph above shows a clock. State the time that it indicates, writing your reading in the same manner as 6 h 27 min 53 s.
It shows 7 h 31 min 48 s
